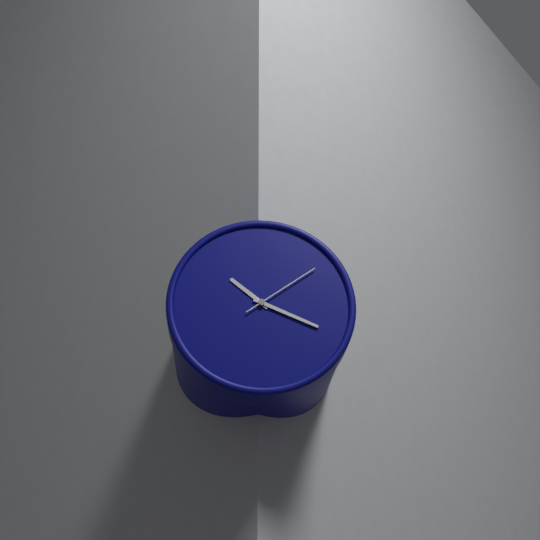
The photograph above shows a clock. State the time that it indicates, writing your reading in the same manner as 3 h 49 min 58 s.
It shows 10 h 19 min 09 s
